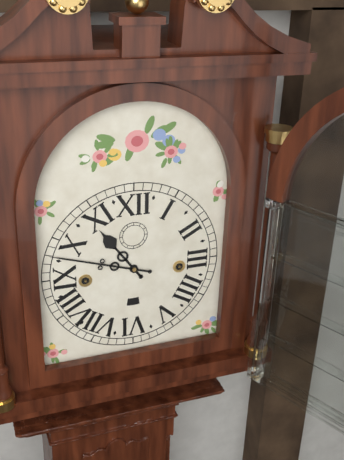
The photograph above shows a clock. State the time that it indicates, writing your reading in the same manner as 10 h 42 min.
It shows 10 h 48 min
